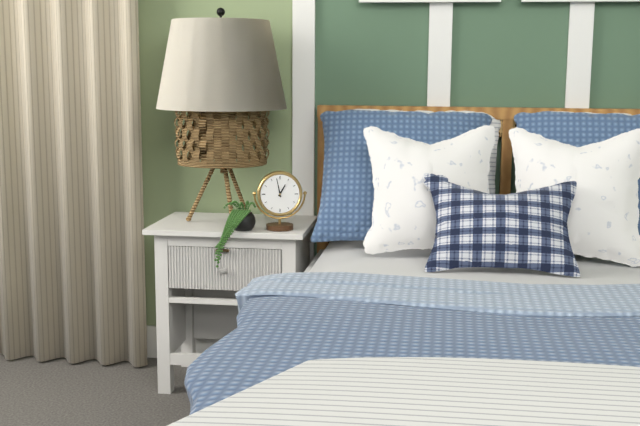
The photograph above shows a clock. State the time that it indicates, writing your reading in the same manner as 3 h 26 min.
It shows 12 h 58 min
